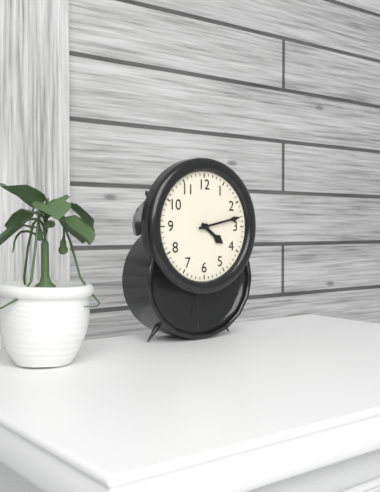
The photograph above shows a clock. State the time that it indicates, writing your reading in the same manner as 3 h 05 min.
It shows 4 h 13 min
